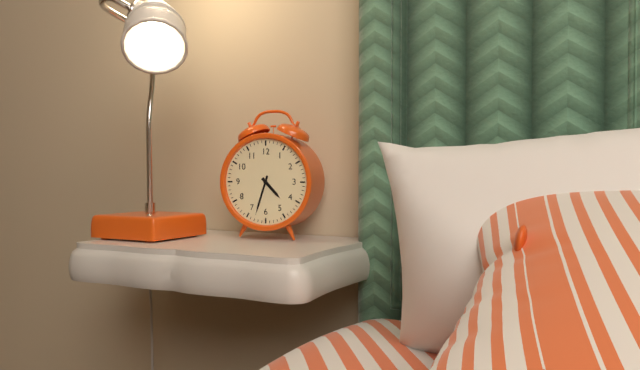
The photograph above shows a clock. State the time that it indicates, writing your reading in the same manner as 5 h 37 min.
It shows 4 h 33 min
